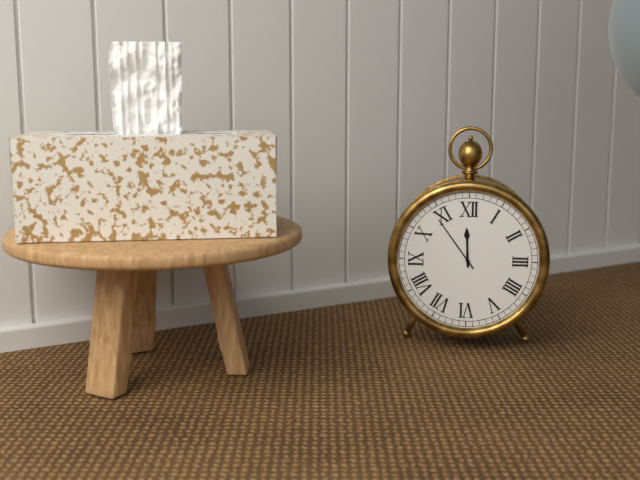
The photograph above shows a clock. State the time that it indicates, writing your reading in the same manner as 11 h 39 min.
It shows 11 h 54 min
